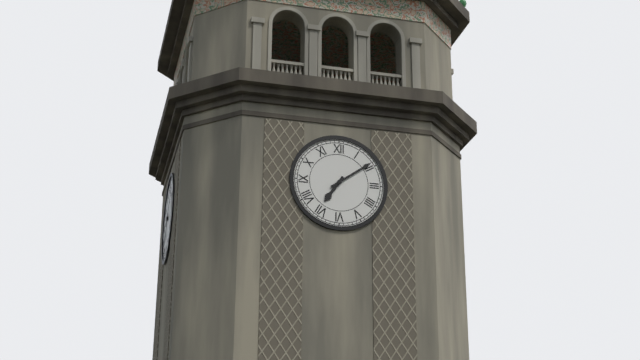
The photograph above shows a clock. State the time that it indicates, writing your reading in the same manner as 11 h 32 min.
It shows 7 h 09 min
